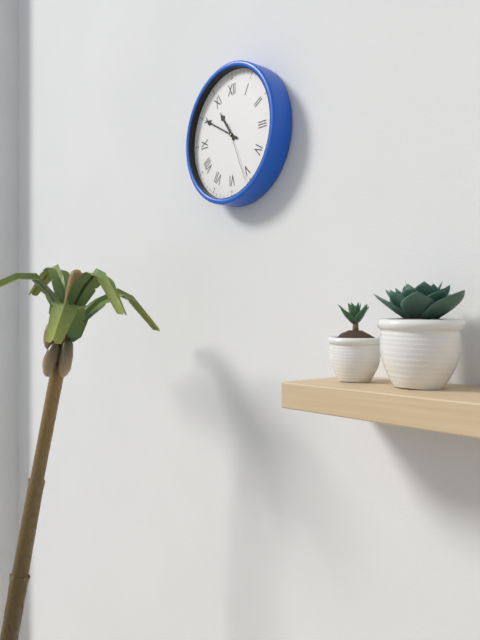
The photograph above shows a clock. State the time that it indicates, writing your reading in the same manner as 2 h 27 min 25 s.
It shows 10 h 50 min 26 s
